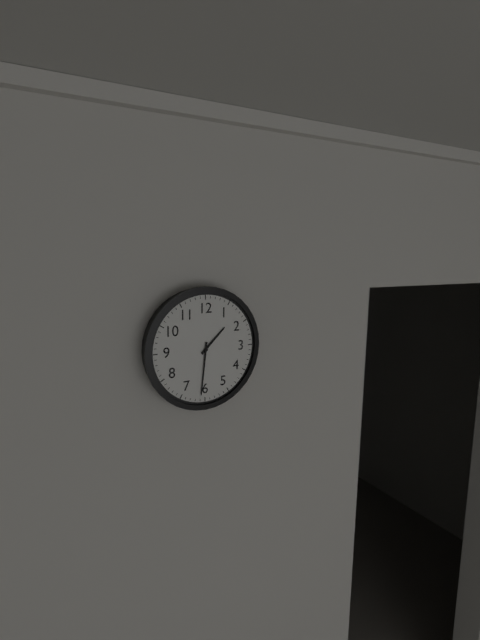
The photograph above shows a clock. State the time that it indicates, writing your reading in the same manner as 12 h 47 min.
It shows 1 h 31 min
